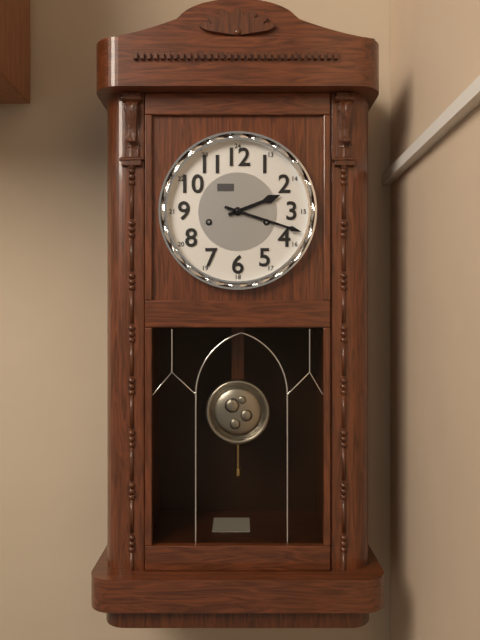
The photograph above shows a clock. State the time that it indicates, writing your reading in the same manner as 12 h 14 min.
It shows 2 h 18 min
